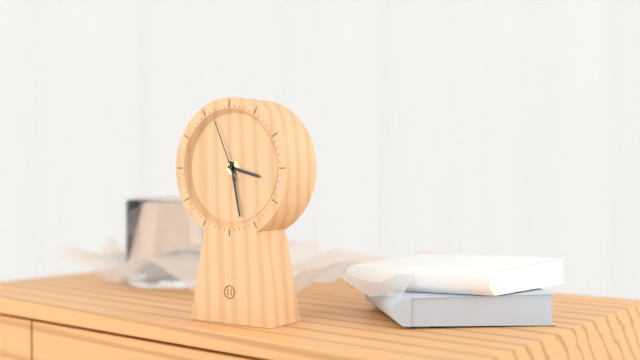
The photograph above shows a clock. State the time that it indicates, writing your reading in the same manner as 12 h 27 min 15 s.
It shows 3 h 28 min 56 s
